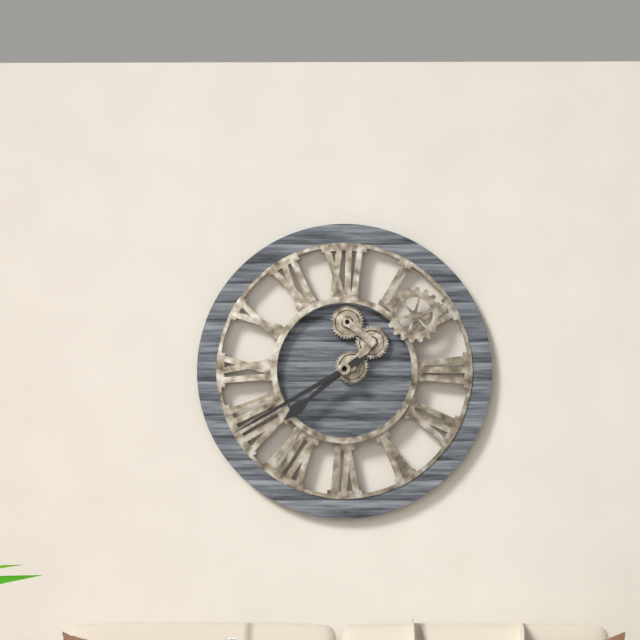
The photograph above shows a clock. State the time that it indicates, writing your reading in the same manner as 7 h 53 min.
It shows 7 h 40 min
